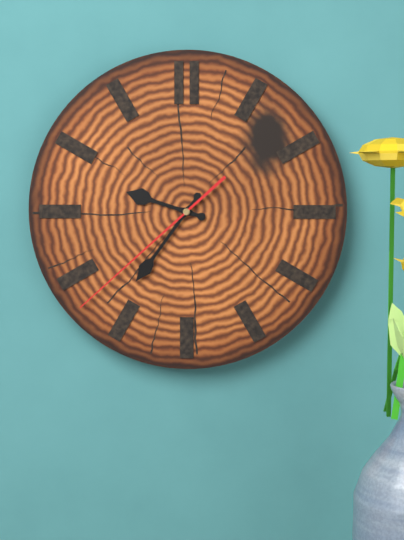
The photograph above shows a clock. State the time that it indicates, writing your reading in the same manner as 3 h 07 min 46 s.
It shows 9 h 36 min 38 s
